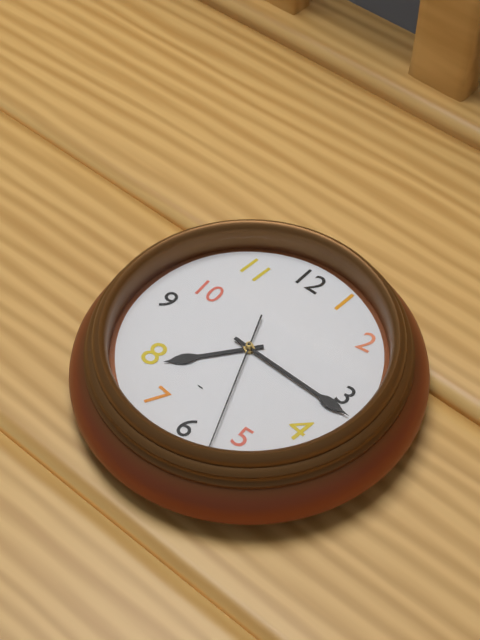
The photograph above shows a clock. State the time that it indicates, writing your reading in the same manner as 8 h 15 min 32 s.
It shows 7 h 15 min 26 s
